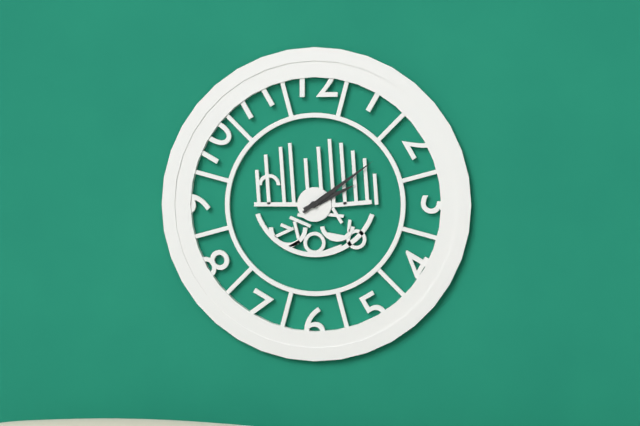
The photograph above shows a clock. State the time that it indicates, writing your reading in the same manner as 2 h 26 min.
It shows 2 h 09 min
